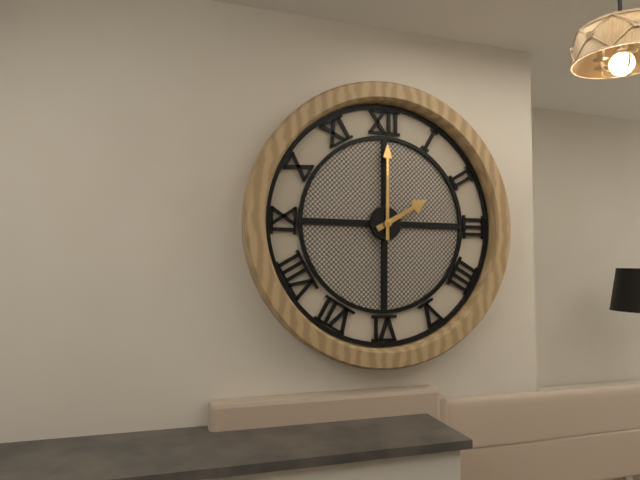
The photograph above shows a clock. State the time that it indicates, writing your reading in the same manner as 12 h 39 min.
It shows 2 h 00 min
